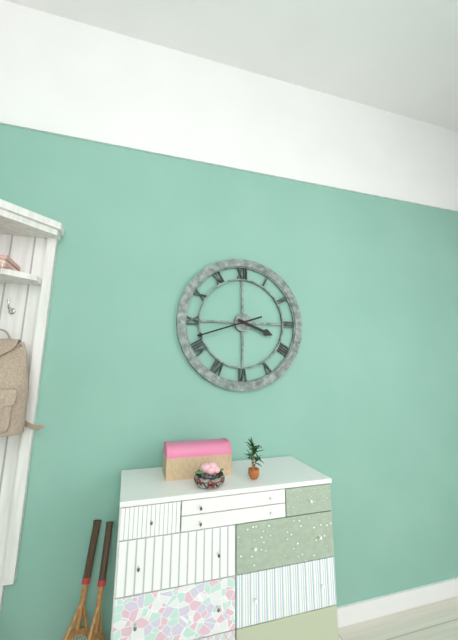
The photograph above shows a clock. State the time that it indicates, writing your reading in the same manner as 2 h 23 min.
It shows 3 h 42 min
